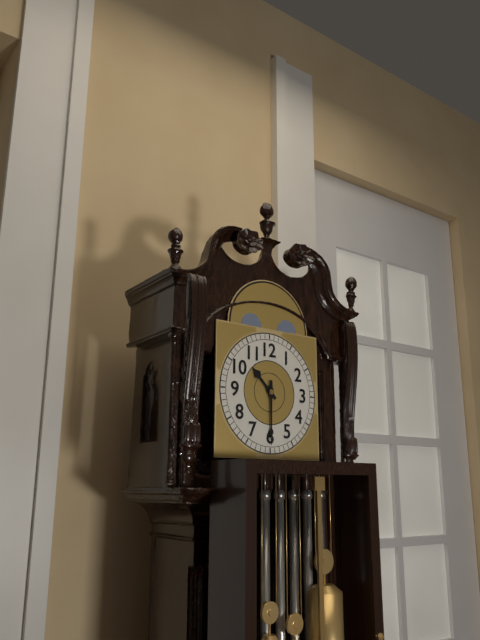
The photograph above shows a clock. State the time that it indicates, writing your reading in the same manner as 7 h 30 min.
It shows 10 h 30 min
